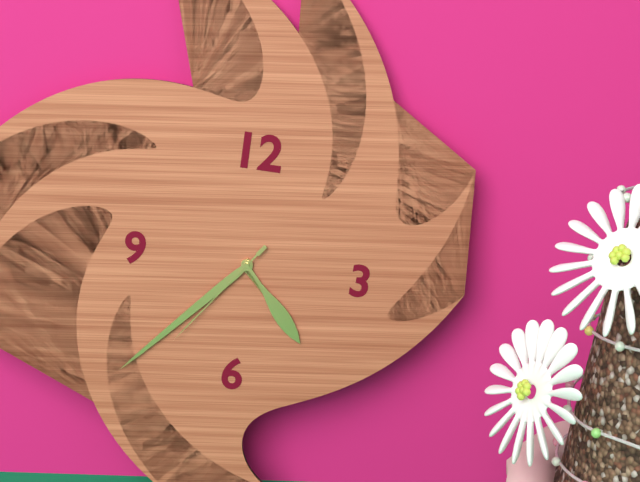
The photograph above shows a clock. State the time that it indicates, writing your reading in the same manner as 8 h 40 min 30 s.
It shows 4 h 37 min 36 s
